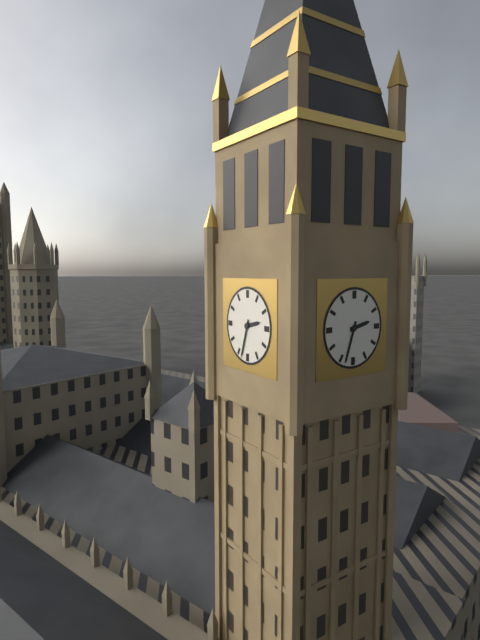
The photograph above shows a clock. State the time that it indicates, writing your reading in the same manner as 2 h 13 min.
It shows 2 h 33 min
